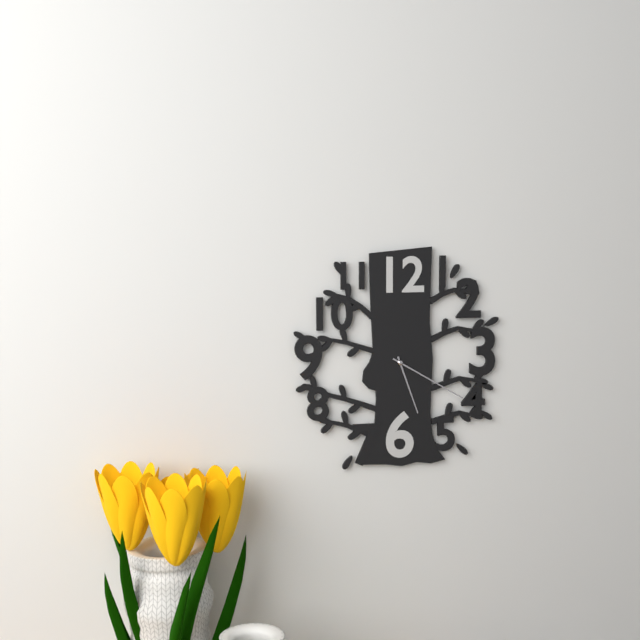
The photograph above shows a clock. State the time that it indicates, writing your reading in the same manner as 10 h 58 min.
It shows 5 h 20 min
